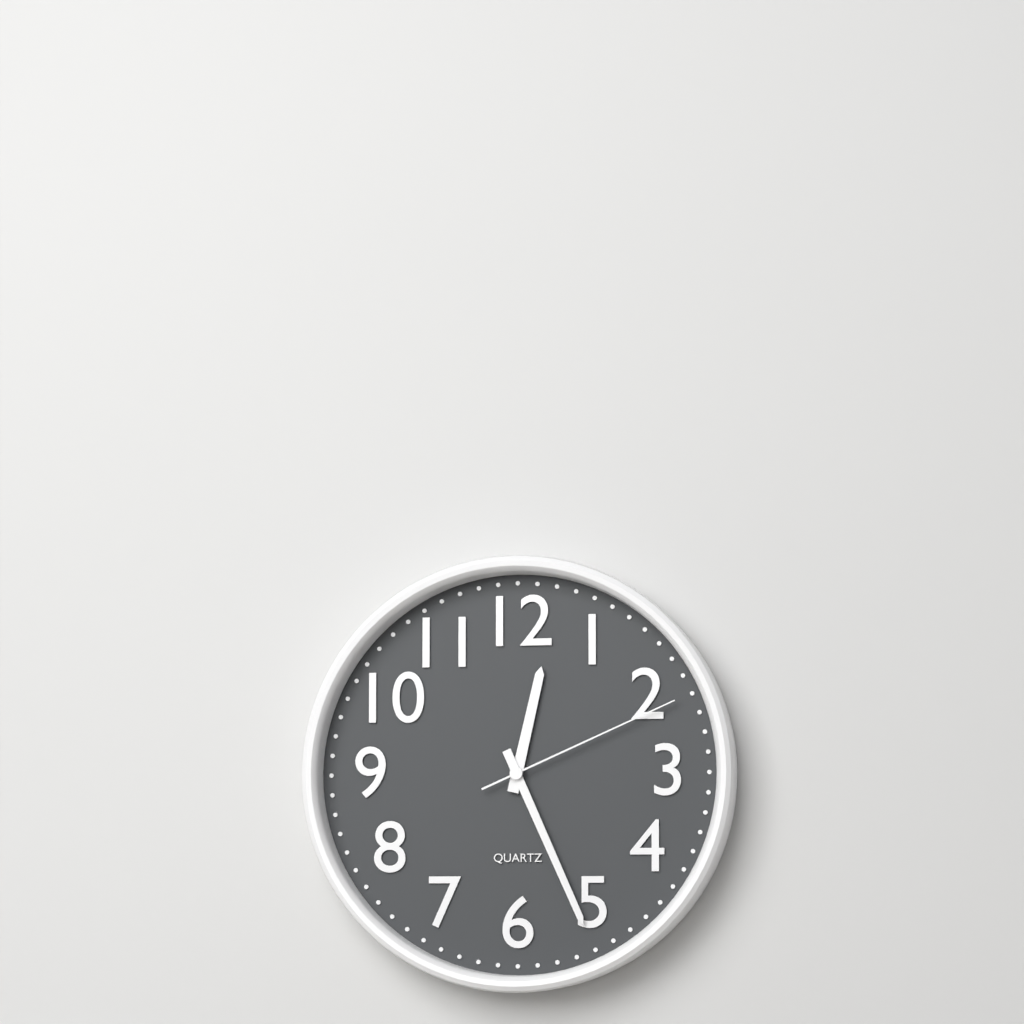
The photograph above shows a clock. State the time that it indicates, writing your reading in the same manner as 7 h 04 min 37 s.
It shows 12 h 26 min 11 s
